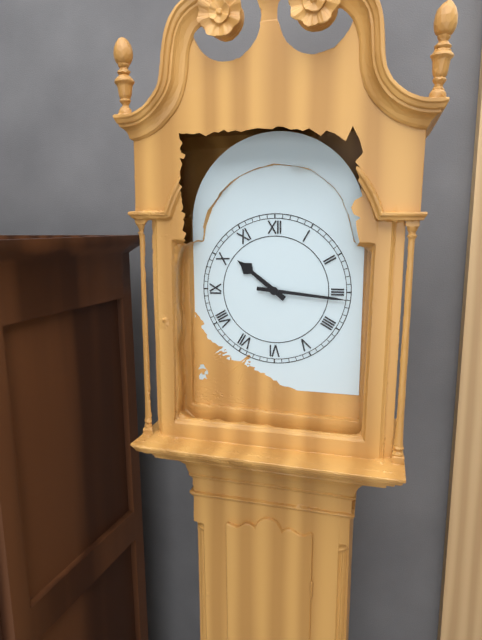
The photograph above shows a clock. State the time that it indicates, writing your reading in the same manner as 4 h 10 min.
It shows 10 h 16 min
